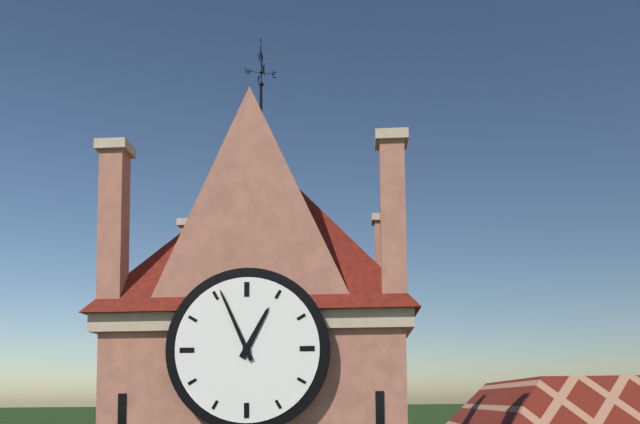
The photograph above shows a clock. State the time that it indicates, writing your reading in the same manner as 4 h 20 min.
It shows 12 h 56 min
